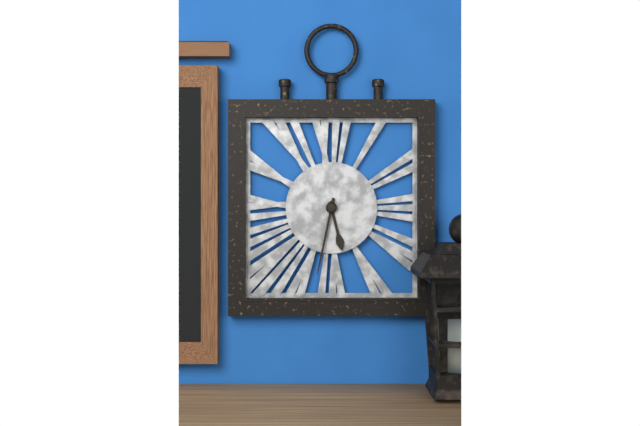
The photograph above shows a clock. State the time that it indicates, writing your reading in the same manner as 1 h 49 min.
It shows 5 h 32 min
